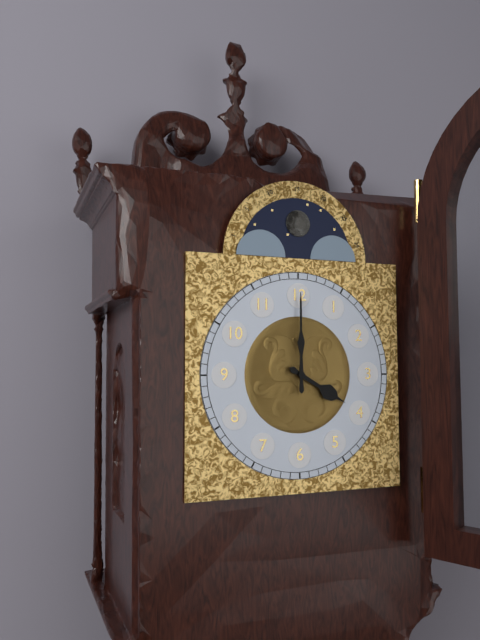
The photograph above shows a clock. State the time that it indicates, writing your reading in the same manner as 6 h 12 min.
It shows 4 h 00 min
